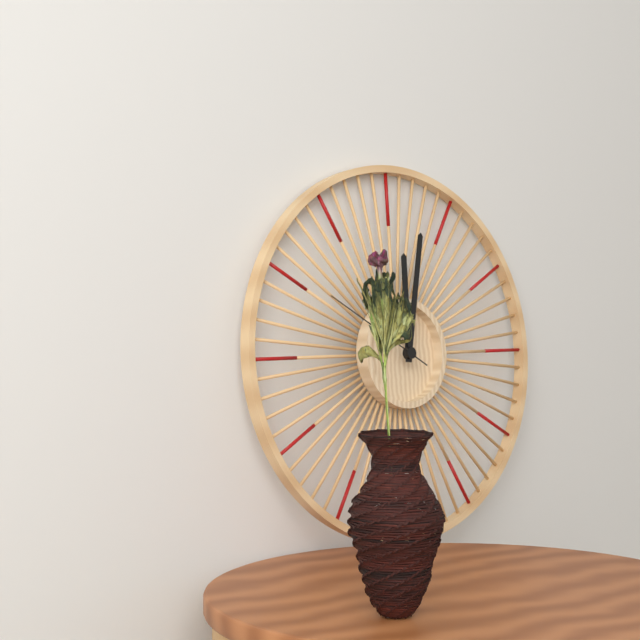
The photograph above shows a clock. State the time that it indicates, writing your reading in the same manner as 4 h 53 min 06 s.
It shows 12 h 02 min 50 s
